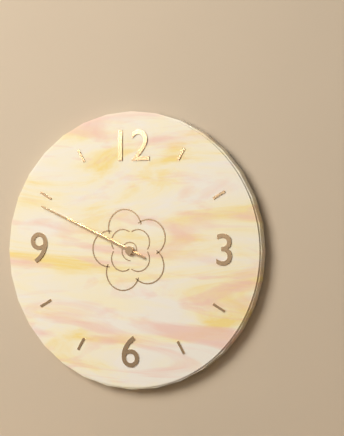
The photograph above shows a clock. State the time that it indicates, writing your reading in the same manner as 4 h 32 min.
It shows 9 h 49 min
